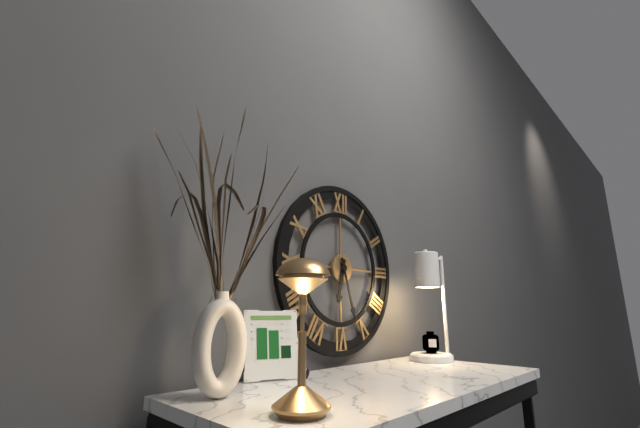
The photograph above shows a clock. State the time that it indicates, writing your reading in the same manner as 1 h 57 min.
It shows 6 h 27 min
